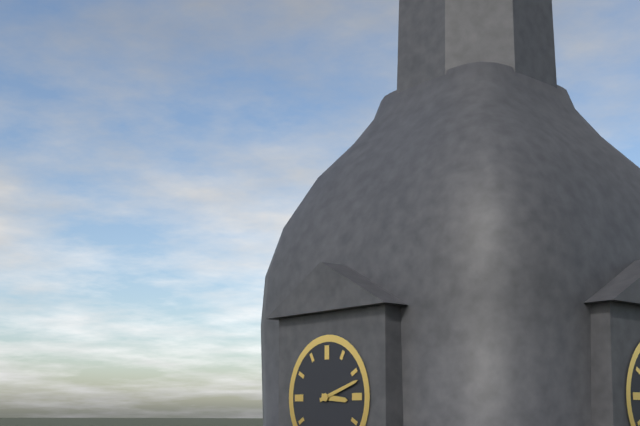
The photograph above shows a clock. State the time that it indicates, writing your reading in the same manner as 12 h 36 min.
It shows 3 h 12 min
